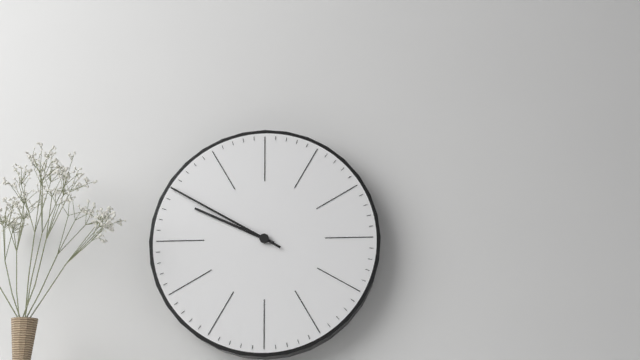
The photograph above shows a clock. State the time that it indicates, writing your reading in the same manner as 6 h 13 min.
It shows 9 h 50 min
